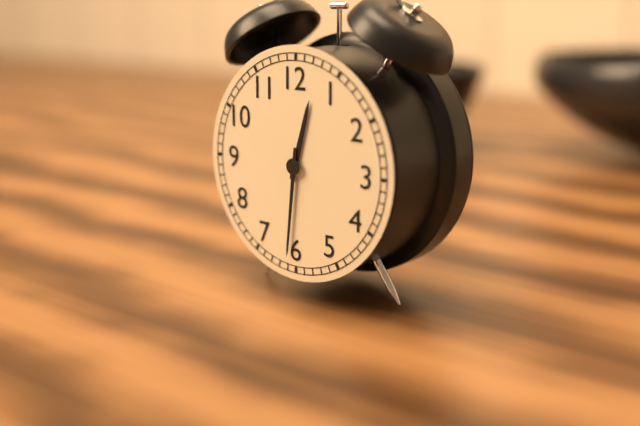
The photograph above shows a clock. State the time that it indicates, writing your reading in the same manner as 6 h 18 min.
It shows 12 h 31 min
